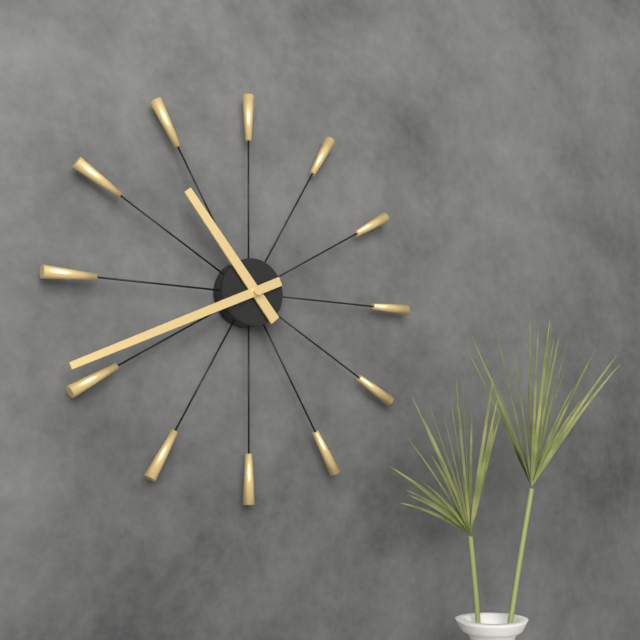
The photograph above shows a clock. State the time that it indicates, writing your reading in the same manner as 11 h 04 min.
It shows 10 h 41 min
